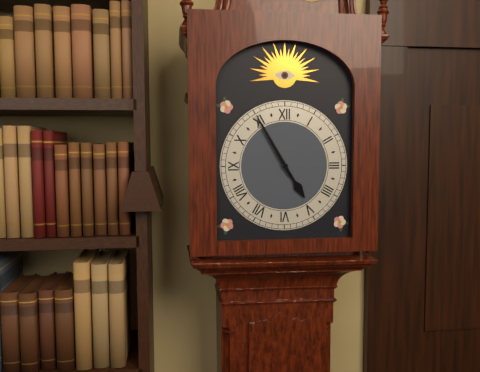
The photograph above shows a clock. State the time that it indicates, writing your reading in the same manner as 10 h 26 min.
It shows 4 h 55 min
